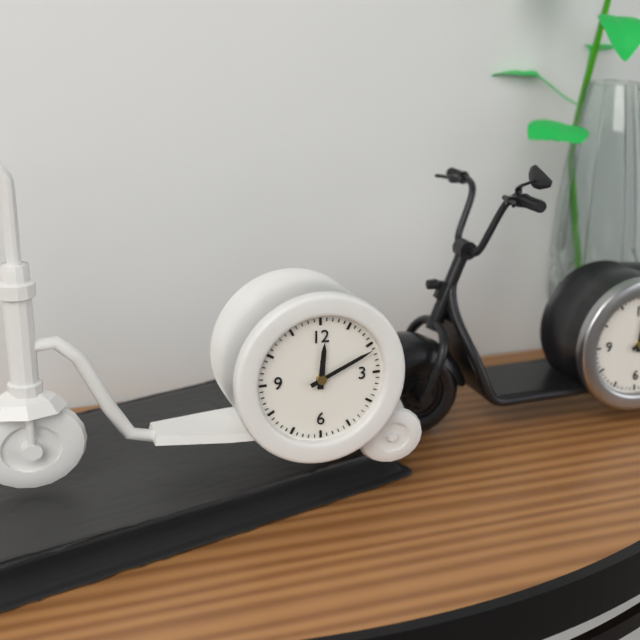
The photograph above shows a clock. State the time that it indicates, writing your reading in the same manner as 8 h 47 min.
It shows 12 h 11 min
